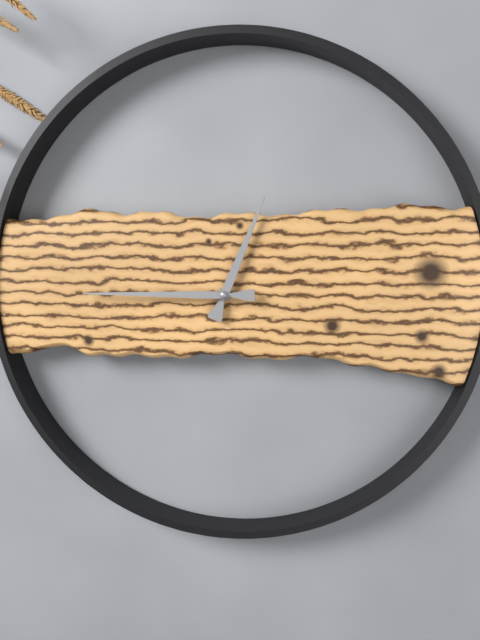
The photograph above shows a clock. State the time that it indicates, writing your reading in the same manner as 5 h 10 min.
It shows 12 h 45 min
